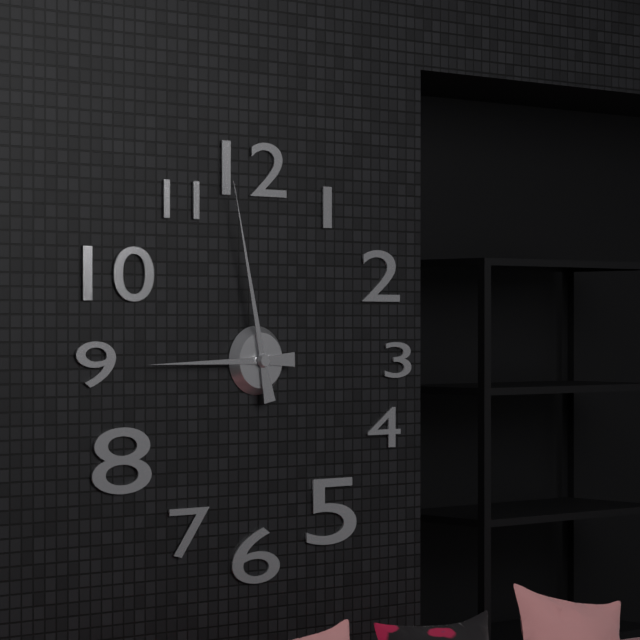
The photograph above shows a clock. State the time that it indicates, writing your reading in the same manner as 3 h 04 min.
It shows 8 h 58 min
